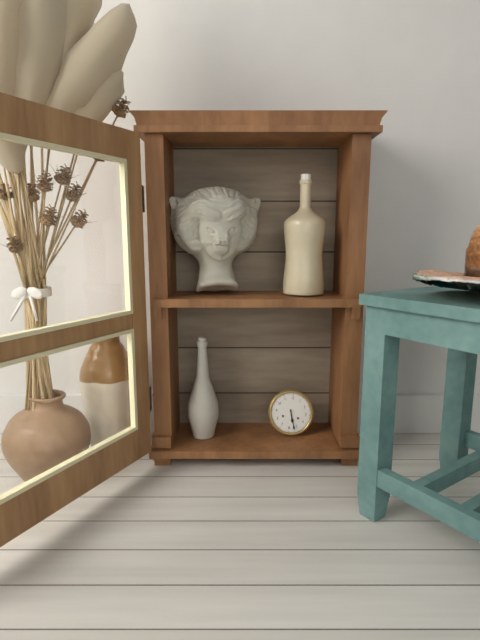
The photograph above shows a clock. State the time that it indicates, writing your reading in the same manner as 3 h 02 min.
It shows 5 h 27 min
